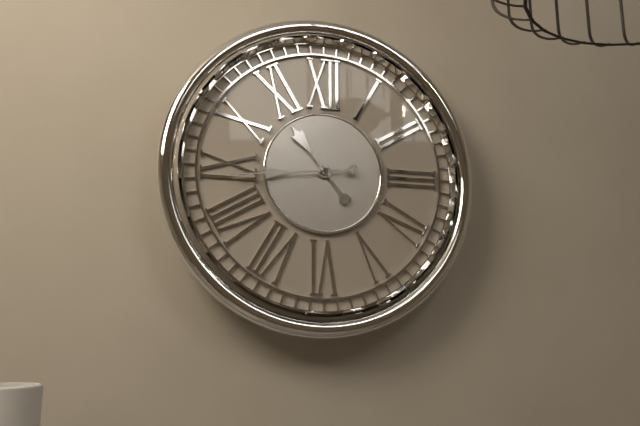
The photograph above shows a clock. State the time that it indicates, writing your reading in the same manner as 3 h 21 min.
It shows 10 h 44 min
